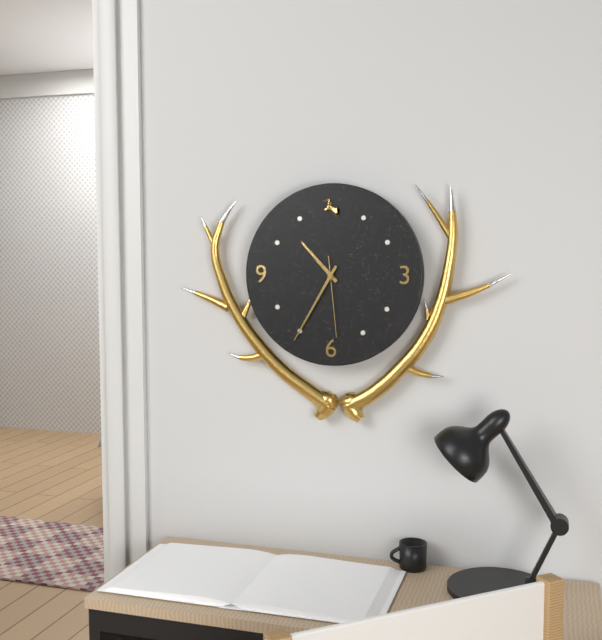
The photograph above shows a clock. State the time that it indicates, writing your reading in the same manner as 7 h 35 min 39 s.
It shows 10 h 35 min 29 s
